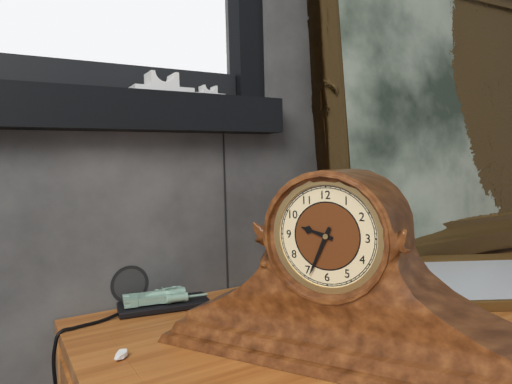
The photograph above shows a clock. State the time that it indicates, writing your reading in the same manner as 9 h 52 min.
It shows 9 h 34 min
